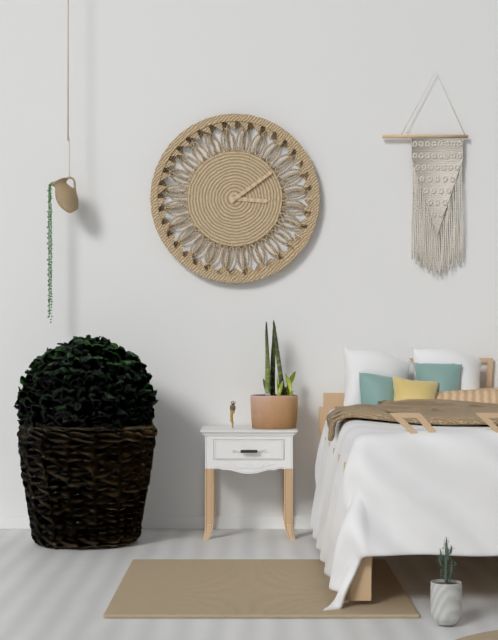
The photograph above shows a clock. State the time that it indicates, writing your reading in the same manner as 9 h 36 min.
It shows 3 h 09 min
